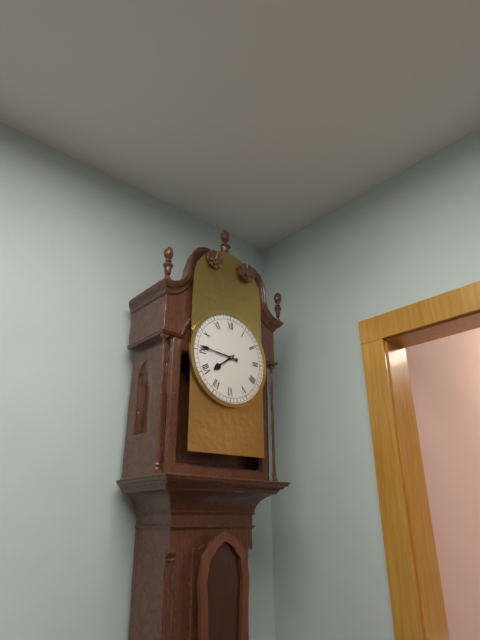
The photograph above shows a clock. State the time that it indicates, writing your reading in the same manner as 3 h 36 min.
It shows 7 h 46 min
